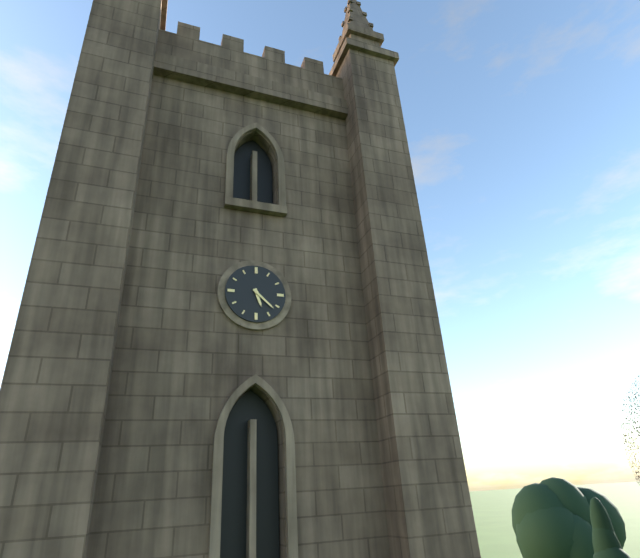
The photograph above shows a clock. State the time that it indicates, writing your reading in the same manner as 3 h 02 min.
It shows 5 h 22 min
